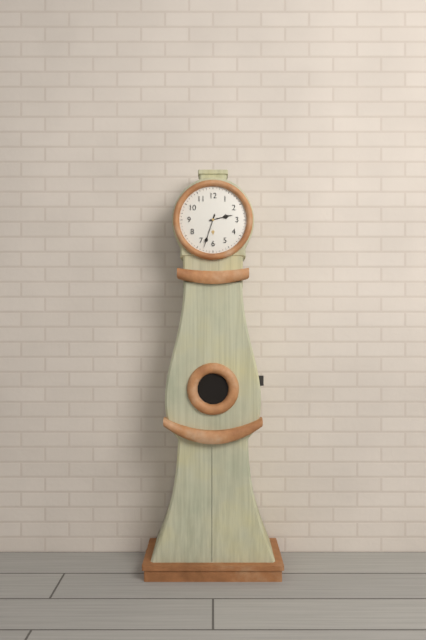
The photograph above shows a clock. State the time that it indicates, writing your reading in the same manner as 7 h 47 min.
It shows 2 h 33 min
